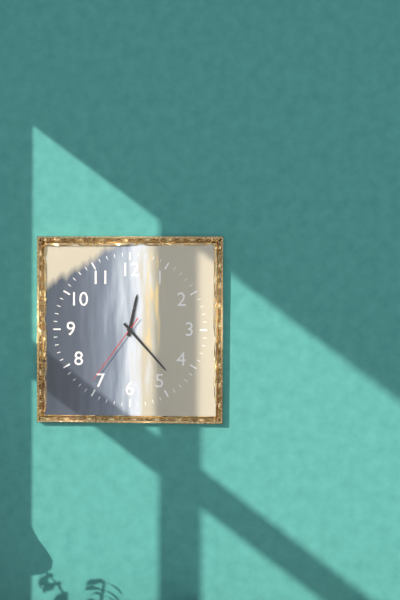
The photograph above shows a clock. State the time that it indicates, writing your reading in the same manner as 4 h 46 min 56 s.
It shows 12 h 23 min 36 s
